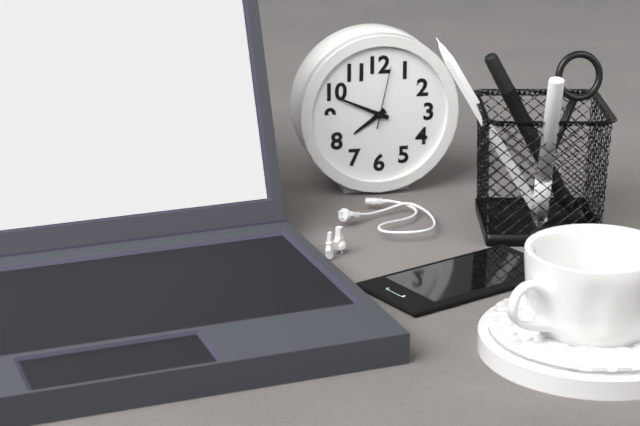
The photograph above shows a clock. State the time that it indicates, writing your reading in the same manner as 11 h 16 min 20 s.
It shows 7 h 49 min 02 s
